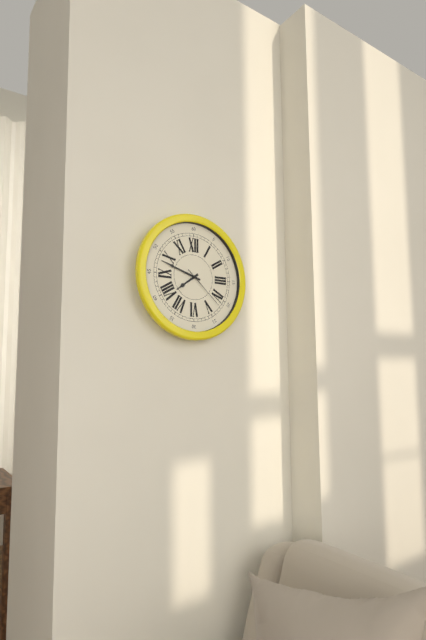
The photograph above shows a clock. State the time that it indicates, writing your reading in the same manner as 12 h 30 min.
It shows 7 h 48 min
